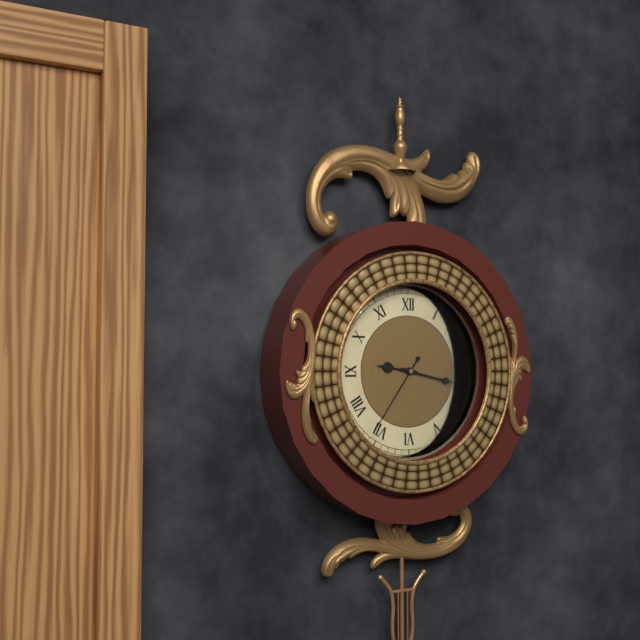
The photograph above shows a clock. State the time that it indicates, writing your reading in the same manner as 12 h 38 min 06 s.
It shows 9 h 17 min 36 s
